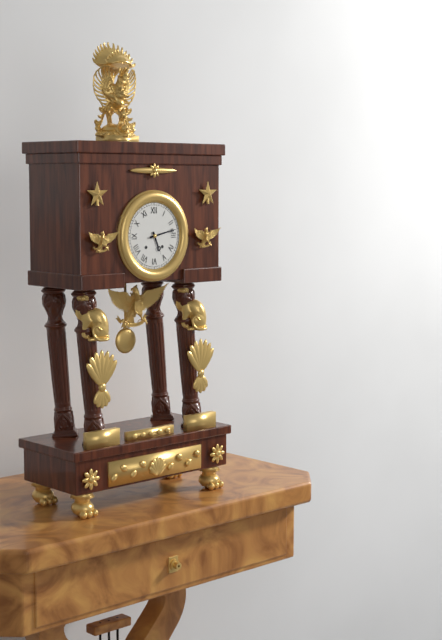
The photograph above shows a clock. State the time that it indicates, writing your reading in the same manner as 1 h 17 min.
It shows 5 h 13 min
